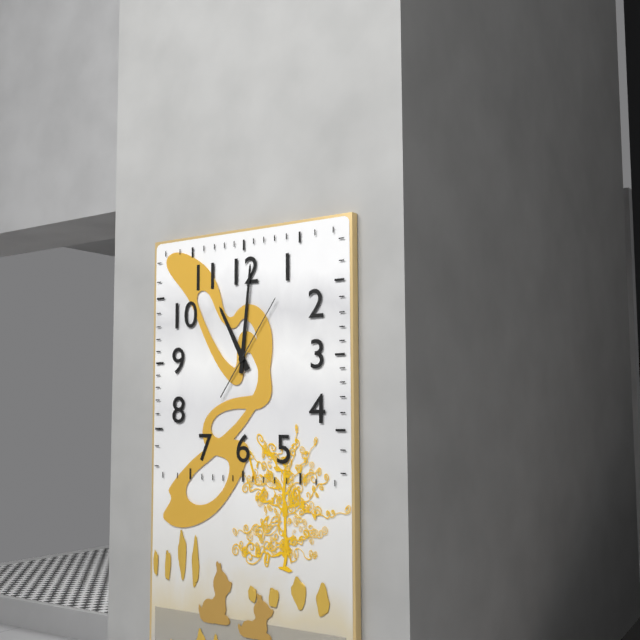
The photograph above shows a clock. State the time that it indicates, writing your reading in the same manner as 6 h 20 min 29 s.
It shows 11 h 01 min 06 s
